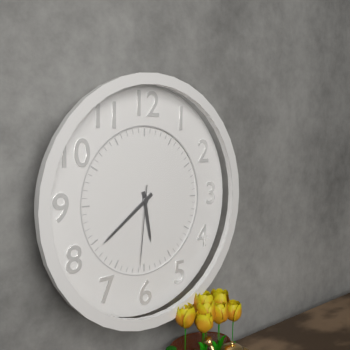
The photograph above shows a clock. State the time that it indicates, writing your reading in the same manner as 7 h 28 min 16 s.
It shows 5 h 39 min 31 s
